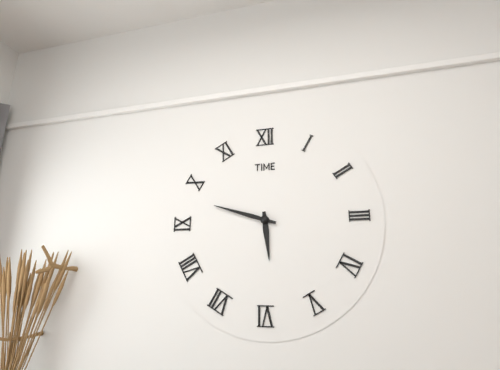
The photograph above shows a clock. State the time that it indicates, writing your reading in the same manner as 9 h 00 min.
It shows 5 h 48 min
